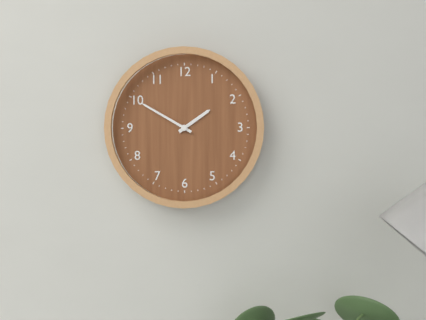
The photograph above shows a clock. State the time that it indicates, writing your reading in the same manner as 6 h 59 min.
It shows 1 h 50 min
